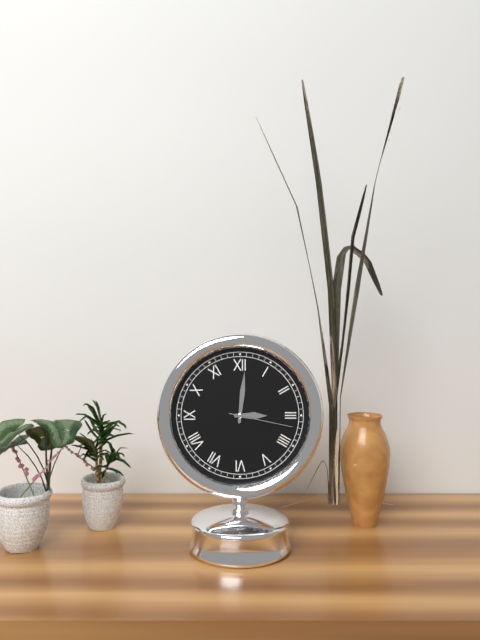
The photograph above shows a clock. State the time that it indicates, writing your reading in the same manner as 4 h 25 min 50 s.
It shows 3 h 01 min 17 s
